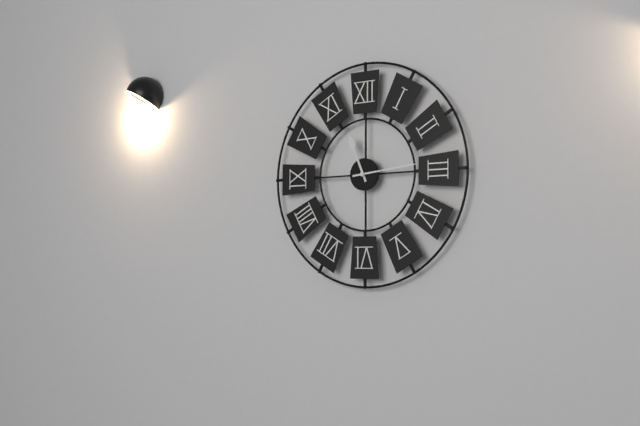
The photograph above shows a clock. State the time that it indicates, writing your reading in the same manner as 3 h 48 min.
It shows 11 h 14 min
